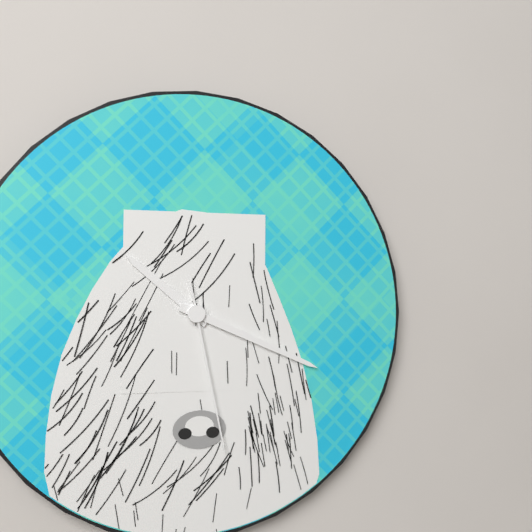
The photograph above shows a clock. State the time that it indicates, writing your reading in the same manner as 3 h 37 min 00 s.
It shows 10 h 19 min 28 s
